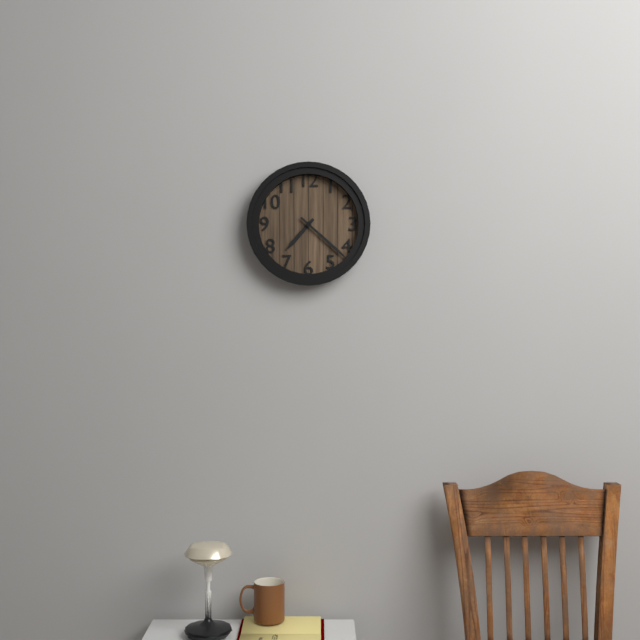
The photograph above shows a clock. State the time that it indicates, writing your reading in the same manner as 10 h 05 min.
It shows 7 h 22 min
